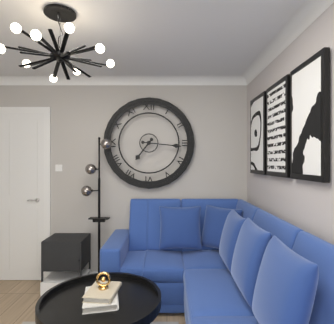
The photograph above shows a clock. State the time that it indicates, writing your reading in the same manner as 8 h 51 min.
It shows 7 h 16 min
